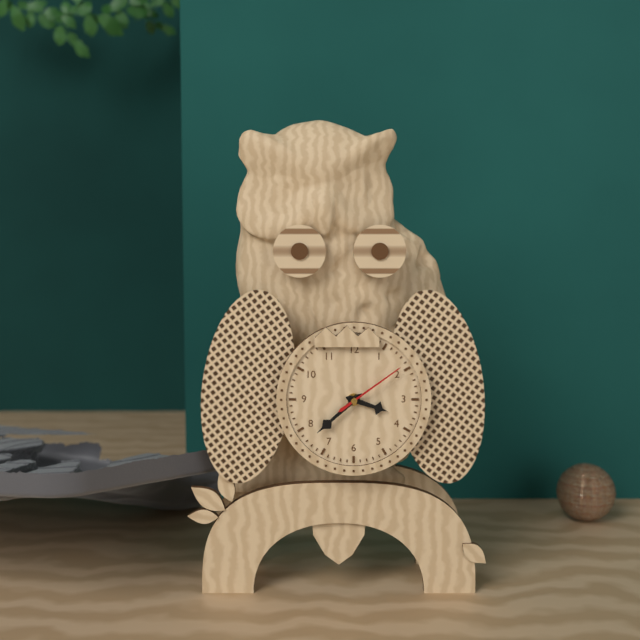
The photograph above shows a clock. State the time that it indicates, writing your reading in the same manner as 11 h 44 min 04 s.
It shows 3 h 38 min 09 s
